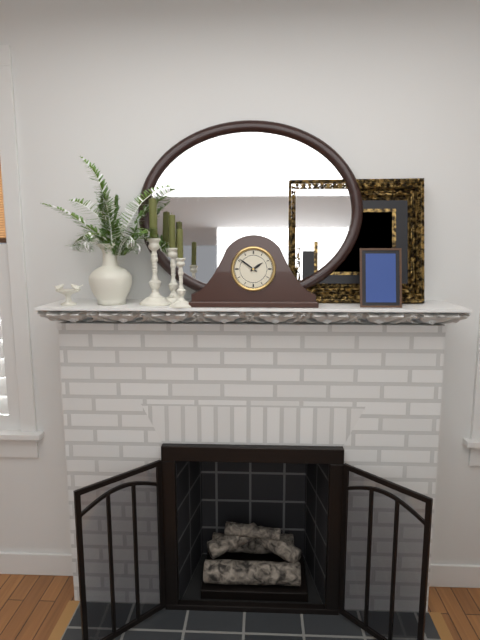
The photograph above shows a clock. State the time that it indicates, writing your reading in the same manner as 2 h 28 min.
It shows 1 h 51 min
